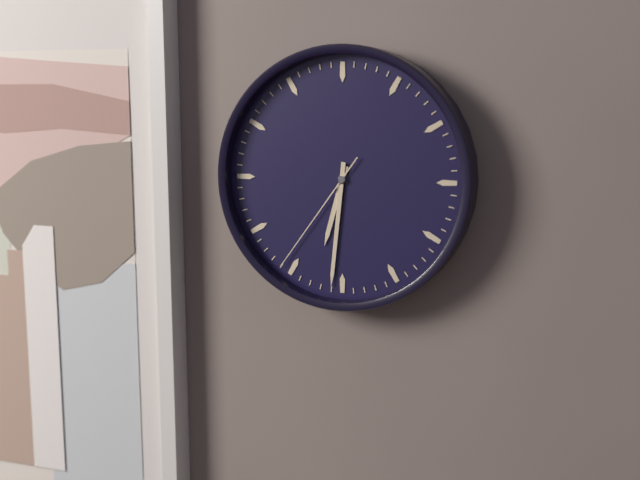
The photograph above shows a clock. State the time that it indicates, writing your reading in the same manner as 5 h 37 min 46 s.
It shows 6 h 31 min 36 s
